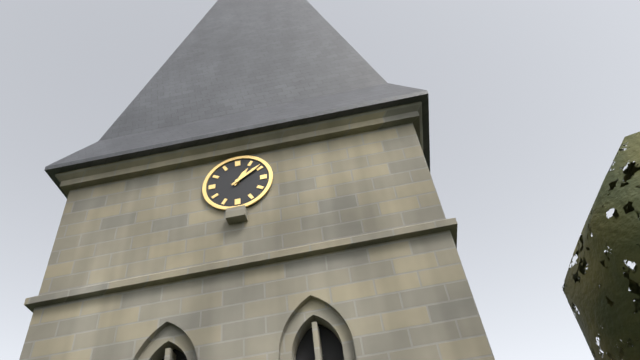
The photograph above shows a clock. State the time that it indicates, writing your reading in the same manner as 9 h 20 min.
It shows 1 h 09 min
